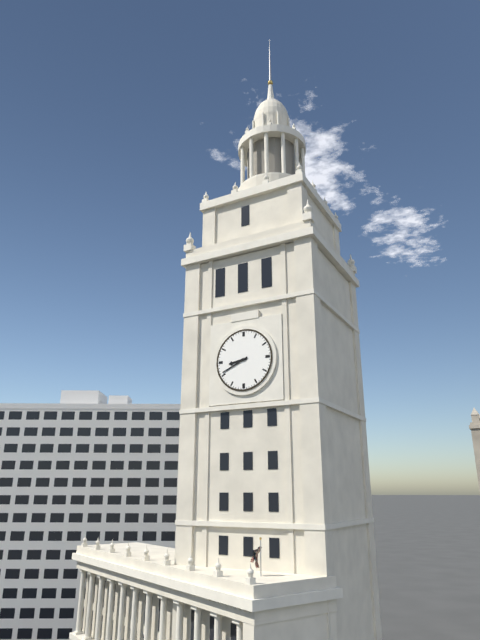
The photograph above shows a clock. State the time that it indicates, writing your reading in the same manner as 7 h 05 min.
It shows 8 h 41 min
